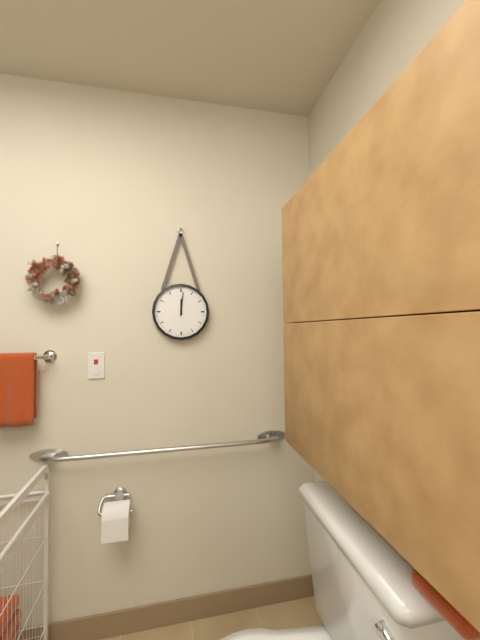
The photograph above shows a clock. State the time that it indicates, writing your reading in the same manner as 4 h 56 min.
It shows 12 h 01 min
